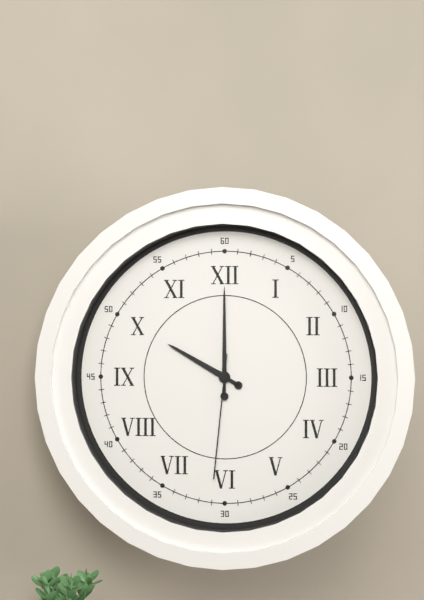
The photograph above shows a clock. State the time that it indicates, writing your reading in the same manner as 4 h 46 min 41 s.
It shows 10 h 00 min 31 s
